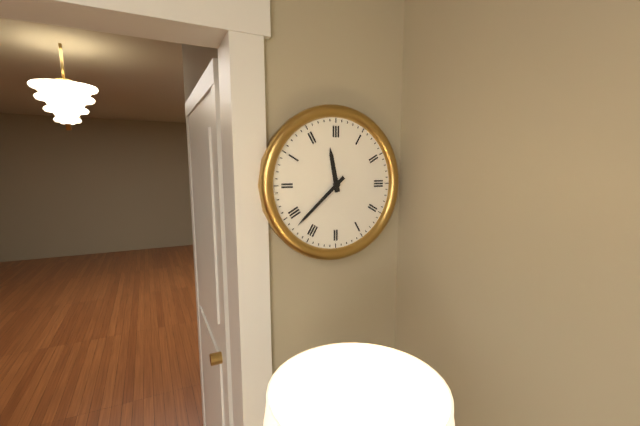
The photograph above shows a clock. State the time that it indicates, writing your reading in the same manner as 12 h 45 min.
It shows 11 h 38 min
